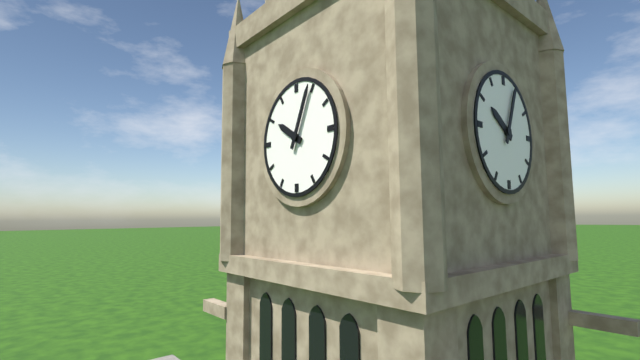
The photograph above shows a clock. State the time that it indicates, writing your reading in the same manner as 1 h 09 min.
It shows 10 h 04 min
